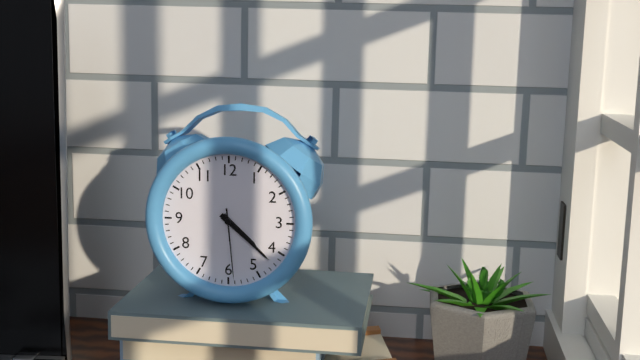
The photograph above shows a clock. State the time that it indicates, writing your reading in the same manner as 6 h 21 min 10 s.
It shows 4 h 22 min 29 s
